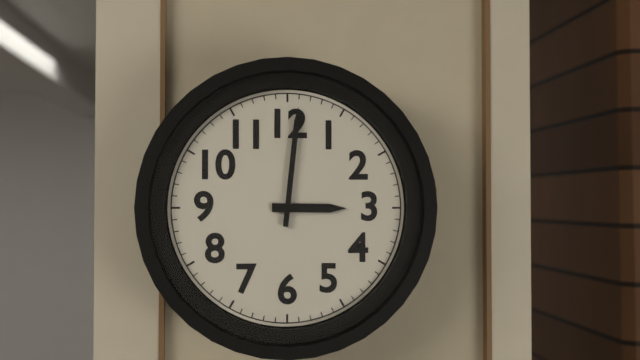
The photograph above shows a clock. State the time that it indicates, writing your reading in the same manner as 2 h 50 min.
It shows 3 h 01 min
